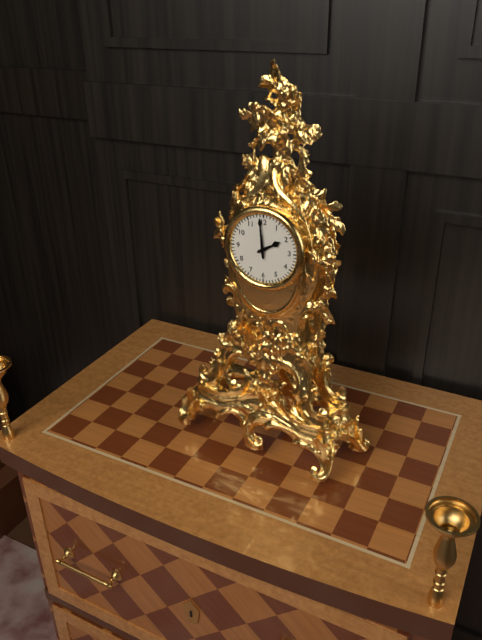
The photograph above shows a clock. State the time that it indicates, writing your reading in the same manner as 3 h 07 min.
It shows 1 h 59 min
